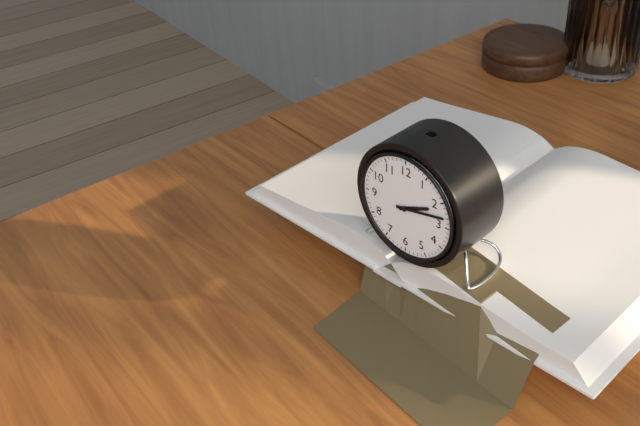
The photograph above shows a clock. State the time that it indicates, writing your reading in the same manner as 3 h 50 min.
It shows 2 h 13 min
